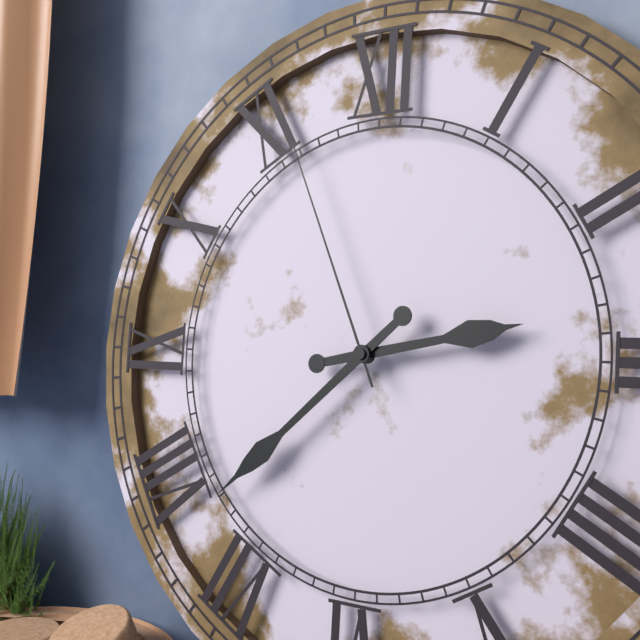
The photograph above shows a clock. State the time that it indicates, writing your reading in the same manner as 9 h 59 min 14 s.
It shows 2 h 38 min 56 s
